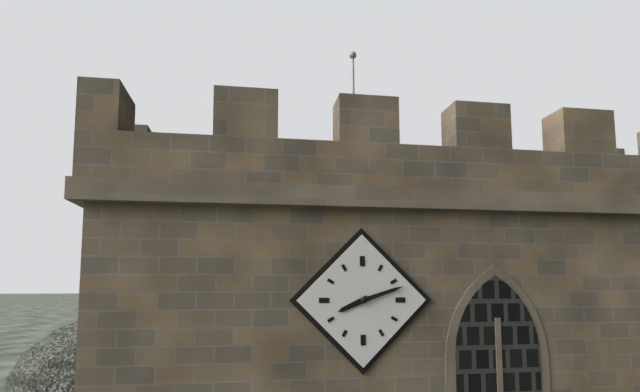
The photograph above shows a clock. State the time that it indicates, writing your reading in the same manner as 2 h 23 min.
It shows 8 h 12 min
